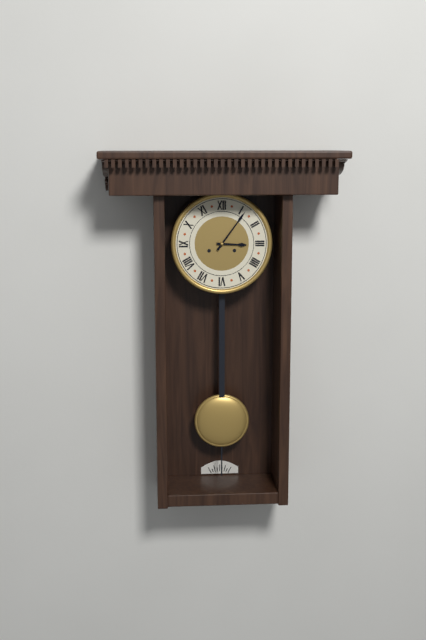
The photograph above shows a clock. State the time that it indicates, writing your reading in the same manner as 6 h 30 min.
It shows 3 h 06 min
